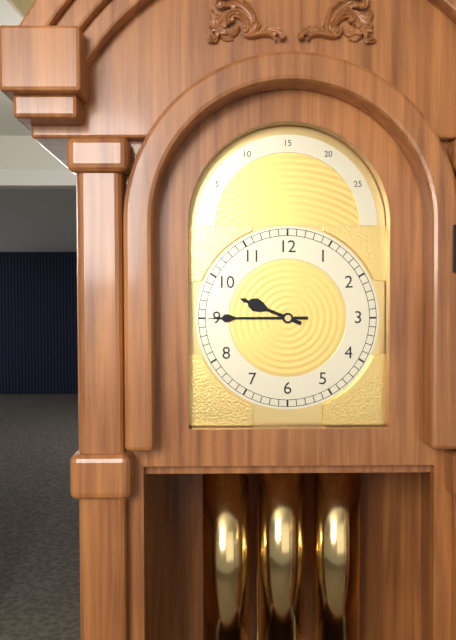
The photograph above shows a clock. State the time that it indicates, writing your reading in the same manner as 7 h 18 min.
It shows 9 h 45 min
